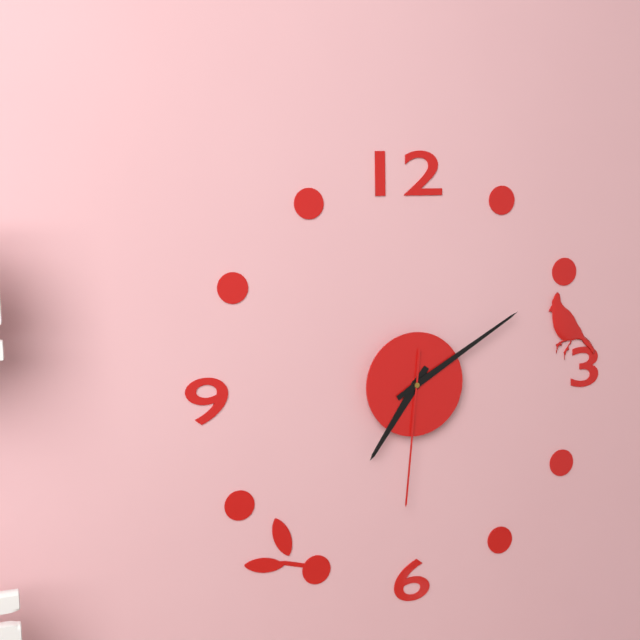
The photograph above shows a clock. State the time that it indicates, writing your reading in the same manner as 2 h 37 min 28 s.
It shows 7 h 10 min 31 s
